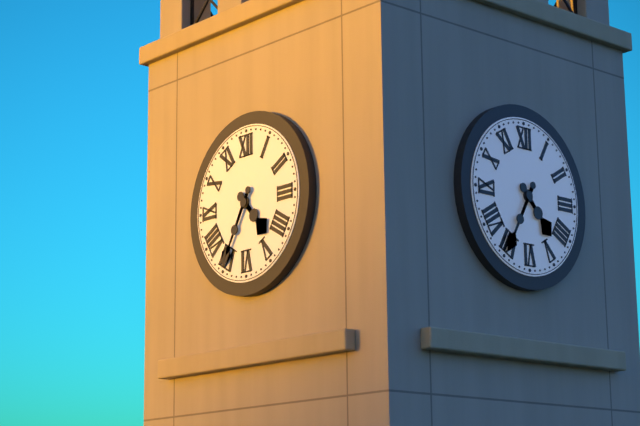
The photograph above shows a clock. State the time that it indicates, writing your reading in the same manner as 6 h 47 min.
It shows 4 h 35 min
